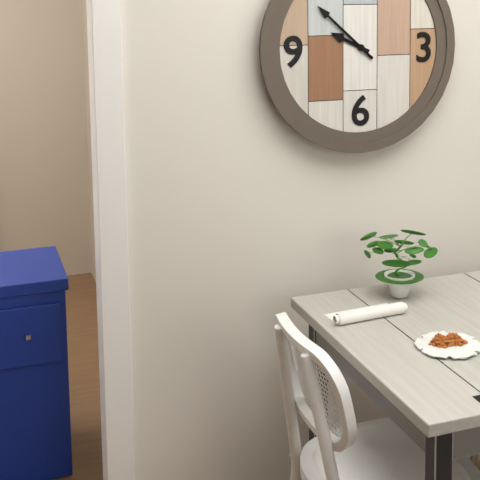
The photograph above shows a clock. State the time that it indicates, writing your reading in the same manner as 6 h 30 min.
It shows 9 h 52 min
